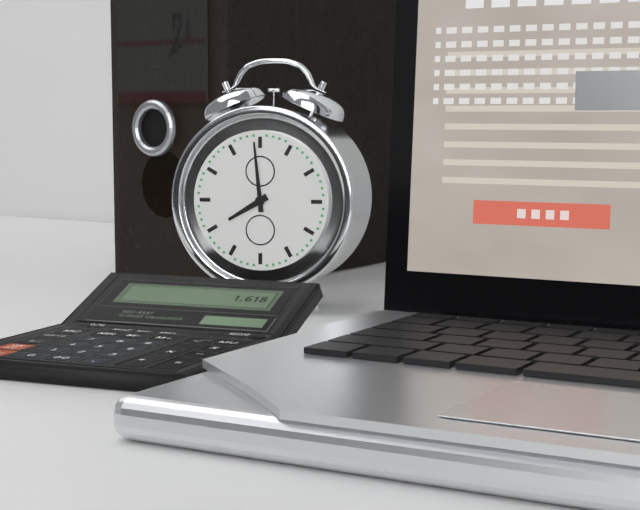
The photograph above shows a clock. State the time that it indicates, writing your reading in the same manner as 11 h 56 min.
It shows 7 h 59 min
